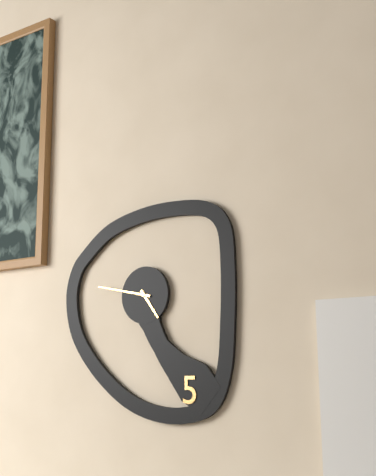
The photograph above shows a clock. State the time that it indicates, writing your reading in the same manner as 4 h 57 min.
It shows 4 h 47 min
